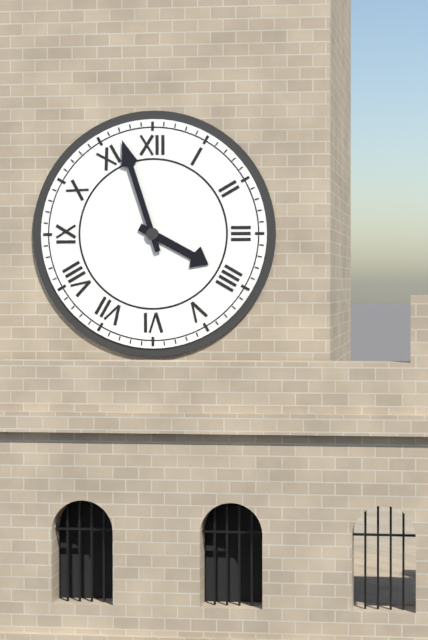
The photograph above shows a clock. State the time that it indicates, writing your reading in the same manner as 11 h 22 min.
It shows 3 h 57 min
